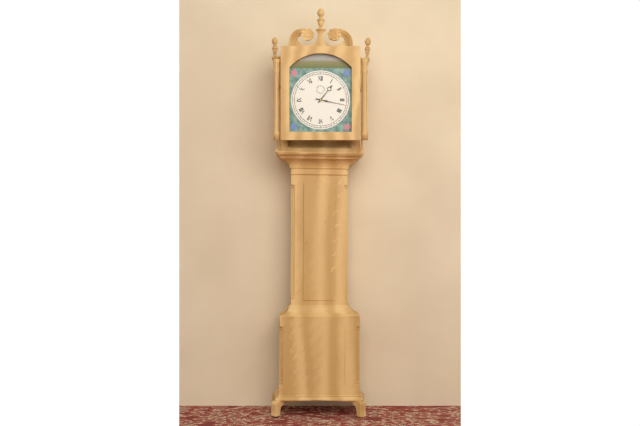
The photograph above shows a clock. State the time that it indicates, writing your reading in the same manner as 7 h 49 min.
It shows 1 h 17 min
